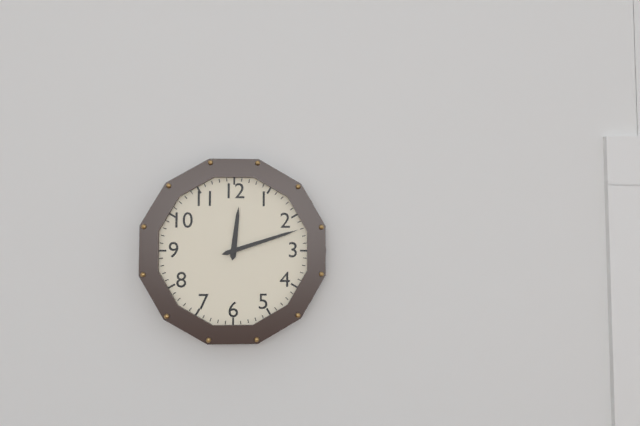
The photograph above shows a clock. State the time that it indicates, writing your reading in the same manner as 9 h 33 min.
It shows 12 h 12 min
